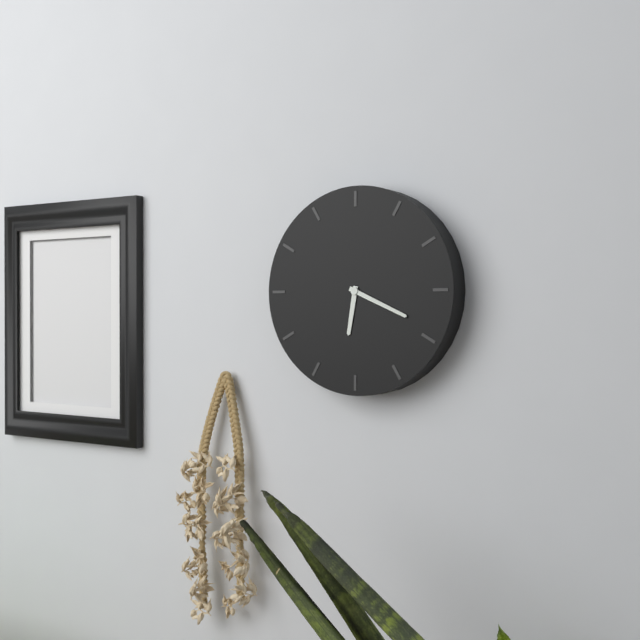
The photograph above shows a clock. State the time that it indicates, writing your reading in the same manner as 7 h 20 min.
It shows 6 h 19 min
